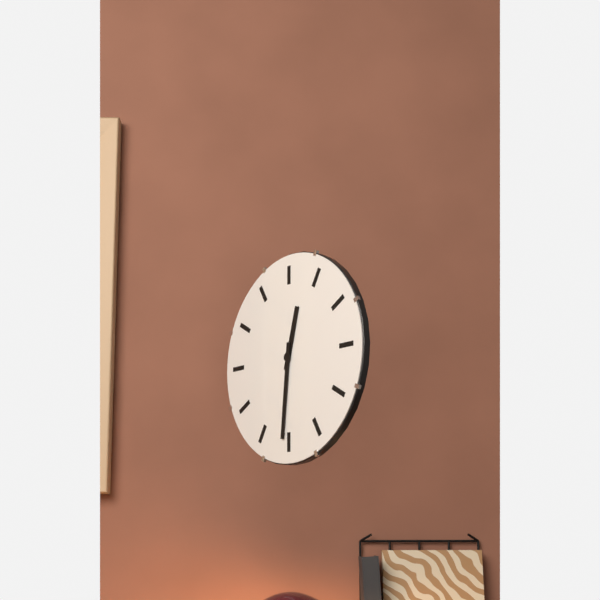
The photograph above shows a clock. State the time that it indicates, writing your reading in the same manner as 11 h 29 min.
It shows 12 h 31 min
